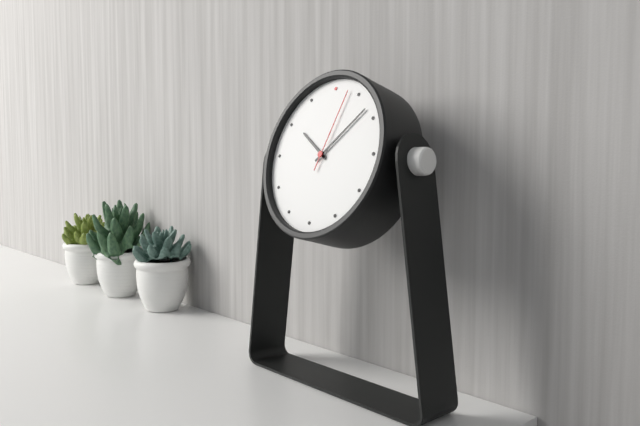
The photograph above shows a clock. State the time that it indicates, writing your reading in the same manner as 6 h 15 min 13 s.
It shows 10 h 08 min 03 s
